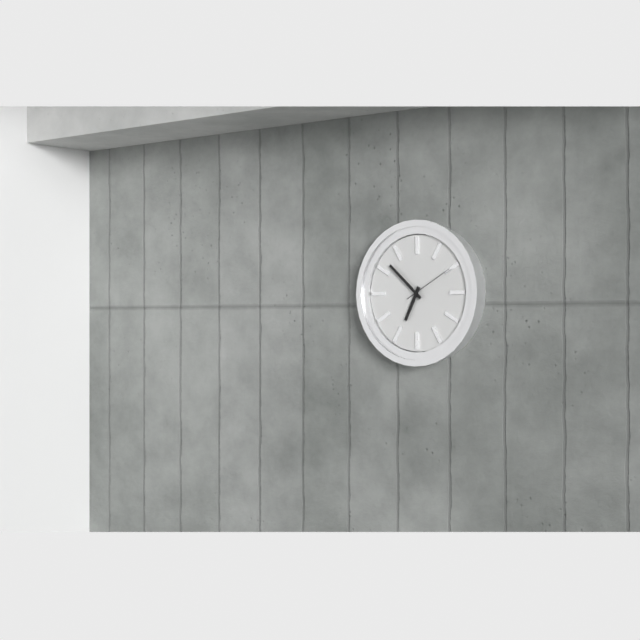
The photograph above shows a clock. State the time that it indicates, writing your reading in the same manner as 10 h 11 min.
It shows 6 h 52 min
